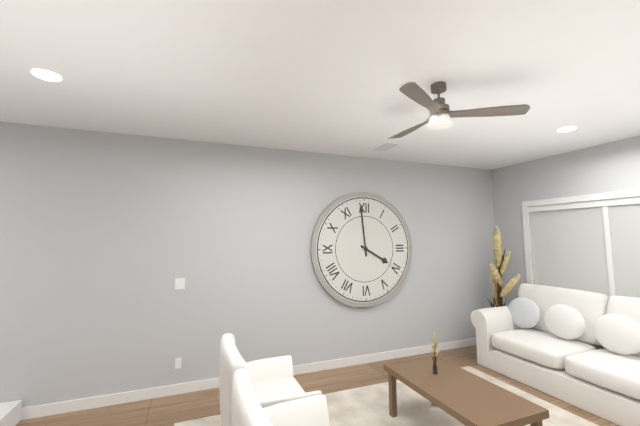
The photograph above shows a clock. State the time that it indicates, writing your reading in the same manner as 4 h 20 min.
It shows 3 h 59 min
